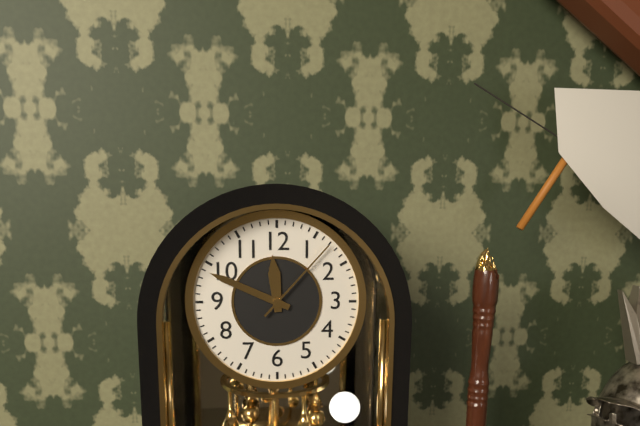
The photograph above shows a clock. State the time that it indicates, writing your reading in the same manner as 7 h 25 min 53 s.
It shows 11 h 49 min 07 s
